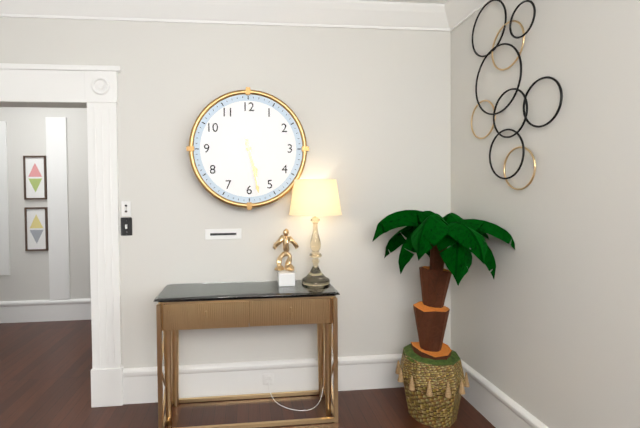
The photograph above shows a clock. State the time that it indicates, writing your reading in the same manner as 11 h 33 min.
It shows 5 h 28 min
